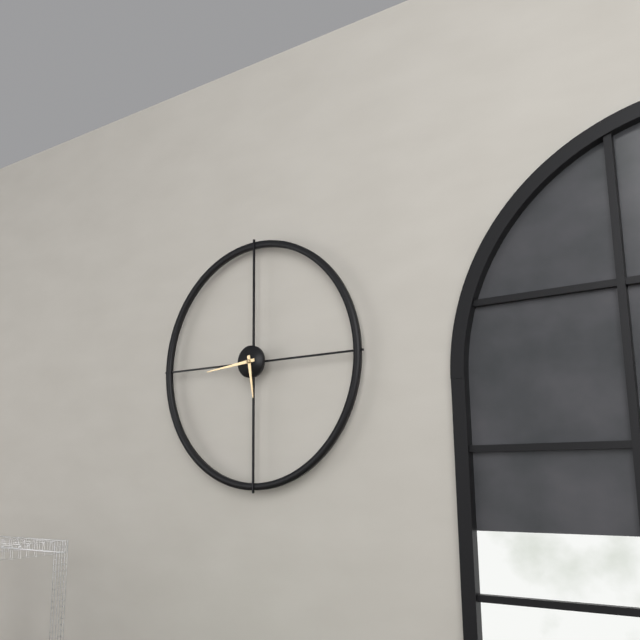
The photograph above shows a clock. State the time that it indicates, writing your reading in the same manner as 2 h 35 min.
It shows 5 h 44 min
